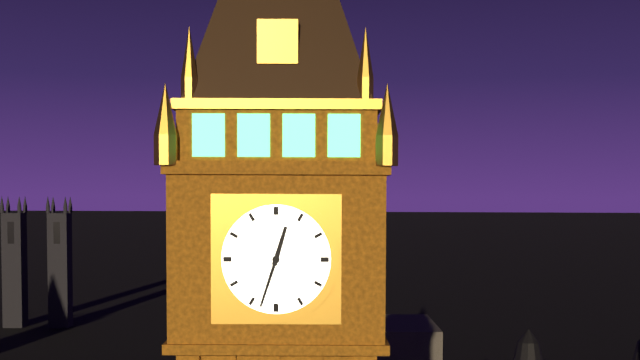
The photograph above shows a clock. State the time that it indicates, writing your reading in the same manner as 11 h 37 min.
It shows 12 h 33 min
